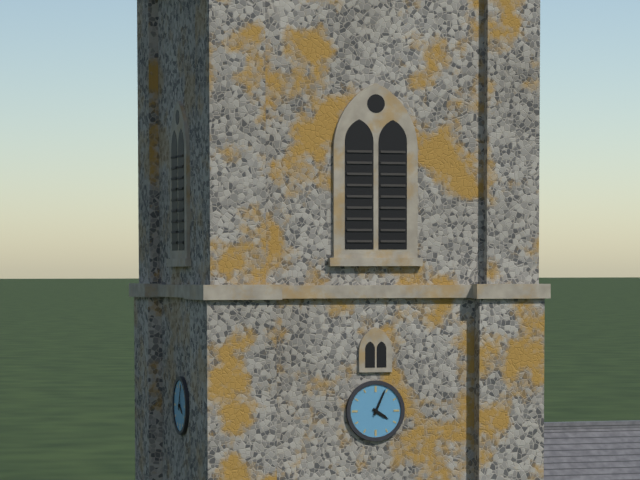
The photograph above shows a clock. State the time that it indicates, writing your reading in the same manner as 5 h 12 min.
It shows 4 h 04 min
